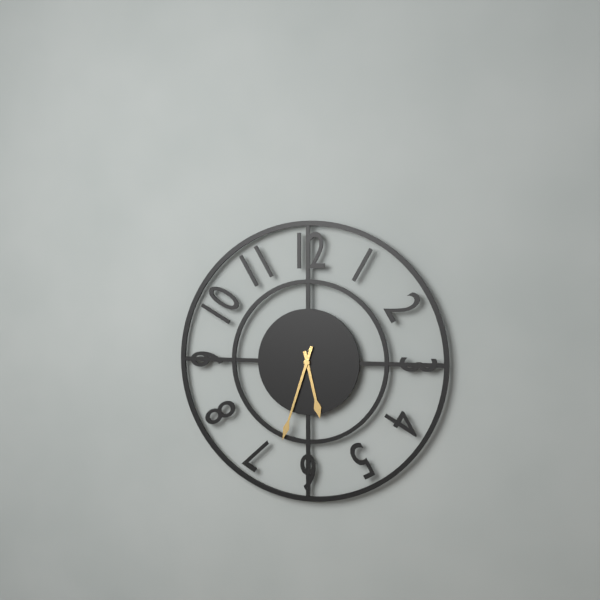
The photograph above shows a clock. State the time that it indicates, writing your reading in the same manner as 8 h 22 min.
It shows 5 h 33 min
